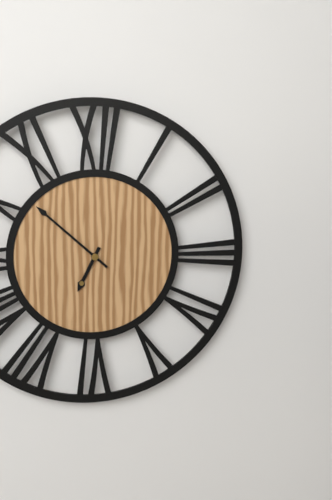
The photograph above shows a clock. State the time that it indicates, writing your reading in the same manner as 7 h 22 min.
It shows 6 h 52 min
